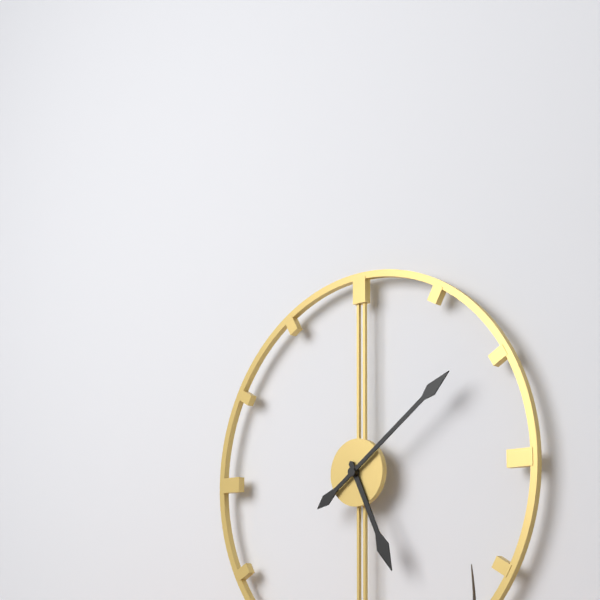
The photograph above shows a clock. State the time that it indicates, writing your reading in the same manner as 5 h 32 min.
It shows 5 h 09 min
